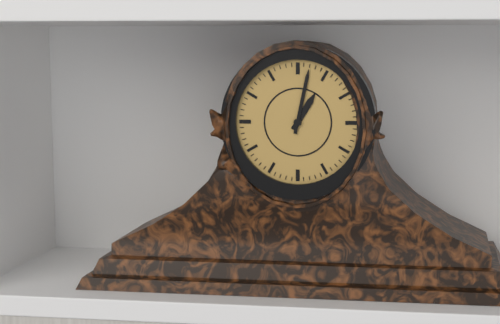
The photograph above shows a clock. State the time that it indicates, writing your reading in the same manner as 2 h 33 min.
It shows 1 h 02 min
